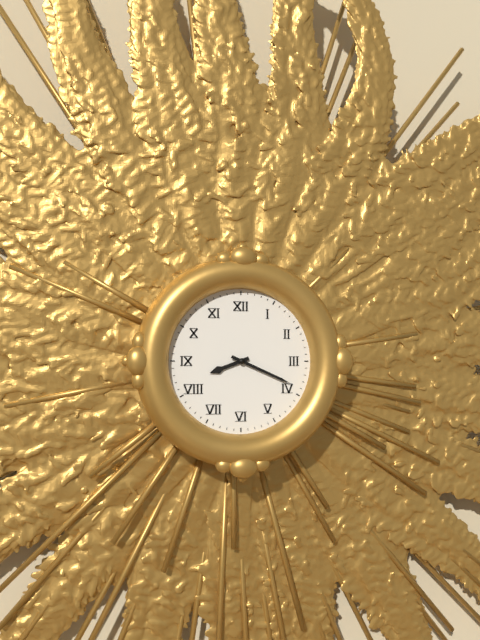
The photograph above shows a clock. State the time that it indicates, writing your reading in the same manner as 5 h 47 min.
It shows 8 h 19 min
